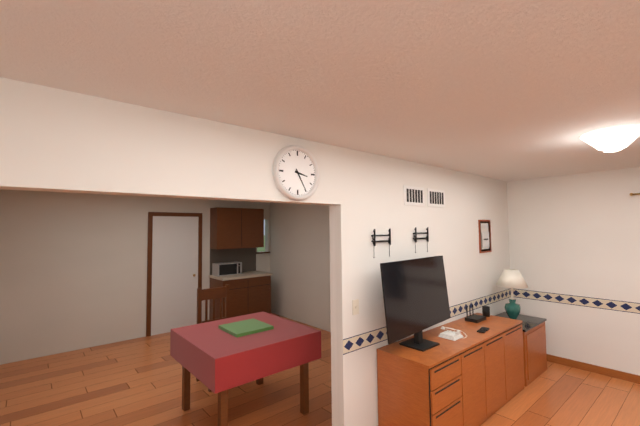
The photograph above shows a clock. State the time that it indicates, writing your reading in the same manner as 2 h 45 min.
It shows 3 h 25 min
